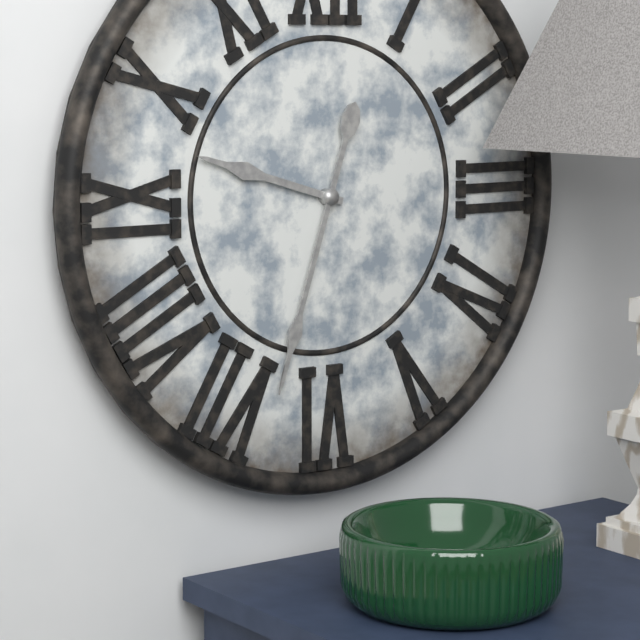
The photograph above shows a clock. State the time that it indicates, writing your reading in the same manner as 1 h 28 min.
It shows 9 h 33 min
